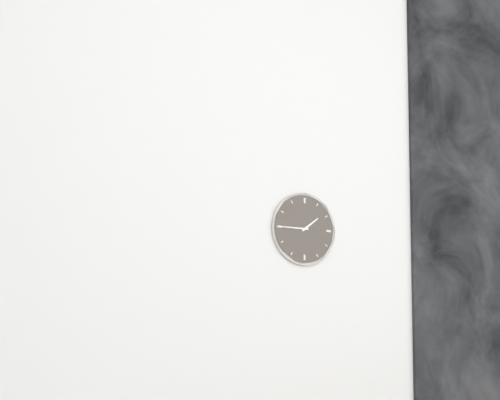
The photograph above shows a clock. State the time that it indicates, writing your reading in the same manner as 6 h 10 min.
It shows 1 h 45 min
